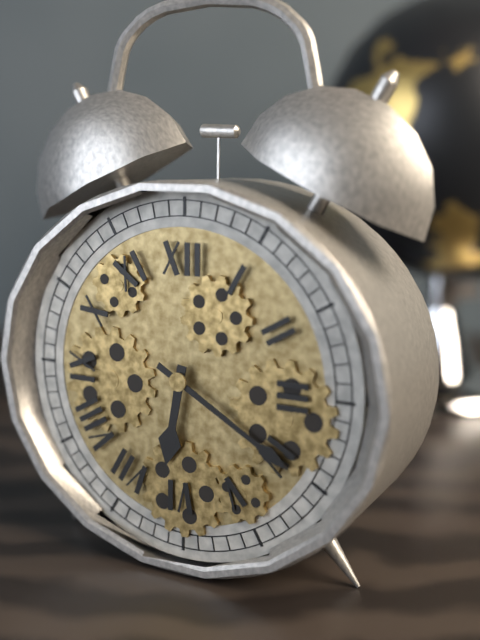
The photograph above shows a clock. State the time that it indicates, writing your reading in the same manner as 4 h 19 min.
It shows 6 h 20 min
